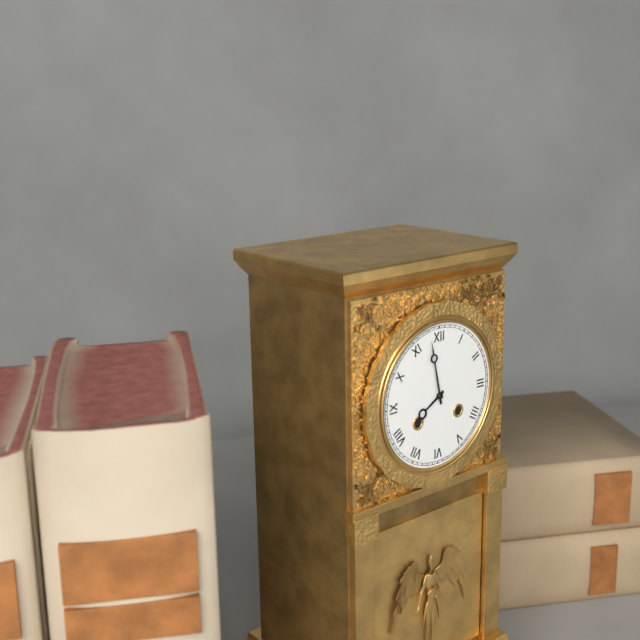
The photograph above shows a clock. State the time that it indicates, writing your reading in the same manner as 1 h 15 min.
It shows 7 h 58 min
